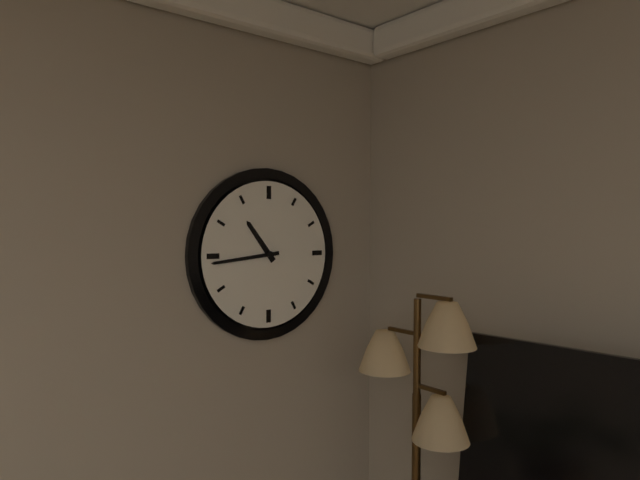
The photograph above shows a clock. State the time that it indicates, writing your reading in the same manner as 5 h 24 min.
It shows 10 h 44 min
